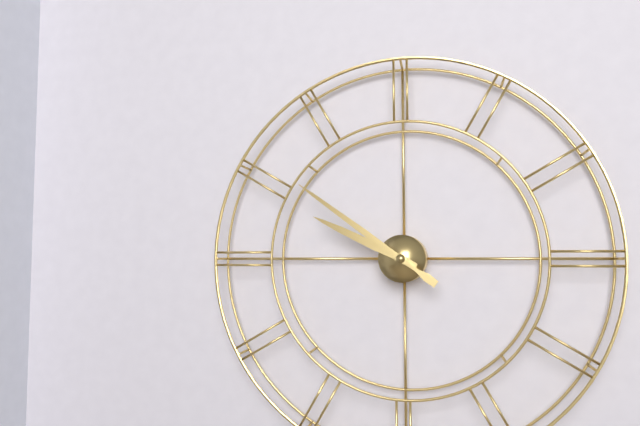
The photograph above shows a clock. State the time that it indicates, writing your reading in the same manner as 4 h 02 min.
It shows 9 h 51 min
